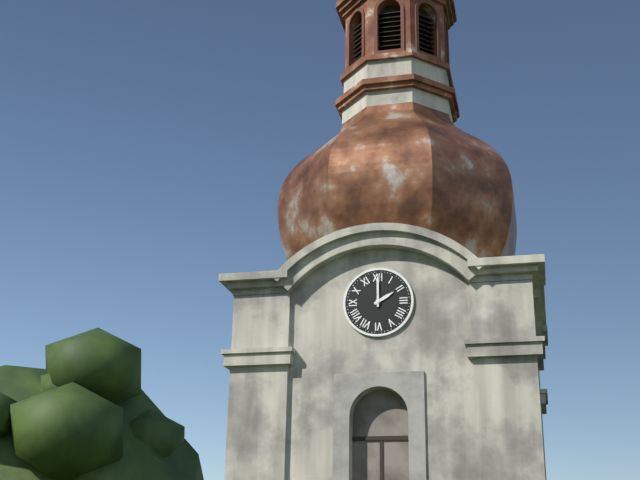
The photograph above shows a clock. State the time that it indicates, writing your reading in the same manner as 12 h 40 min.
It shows 2 h 00 min
